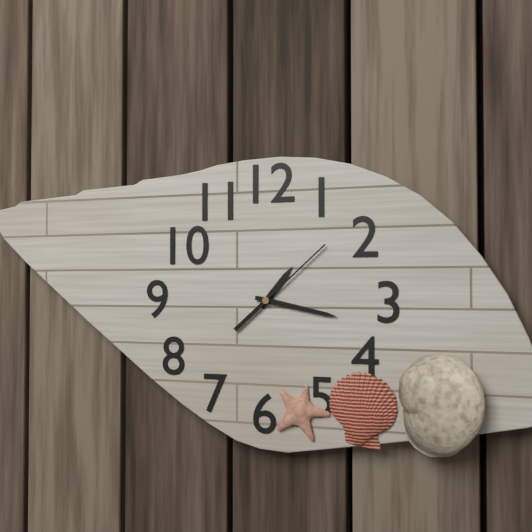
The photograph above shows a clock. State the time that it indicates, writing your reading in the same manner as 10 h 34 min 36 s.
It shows 1 h 17 min 08 s
